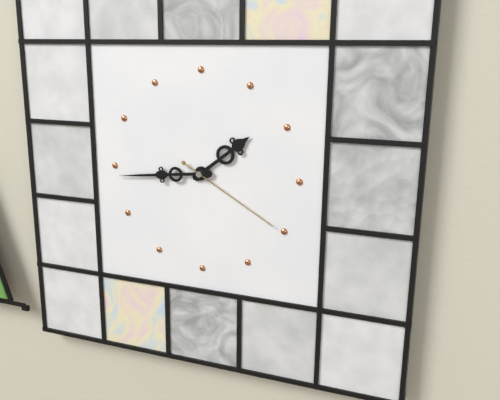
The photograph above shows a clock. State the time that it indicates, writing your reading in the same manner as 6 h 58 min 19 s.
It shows 1 h 44 min 20 s
